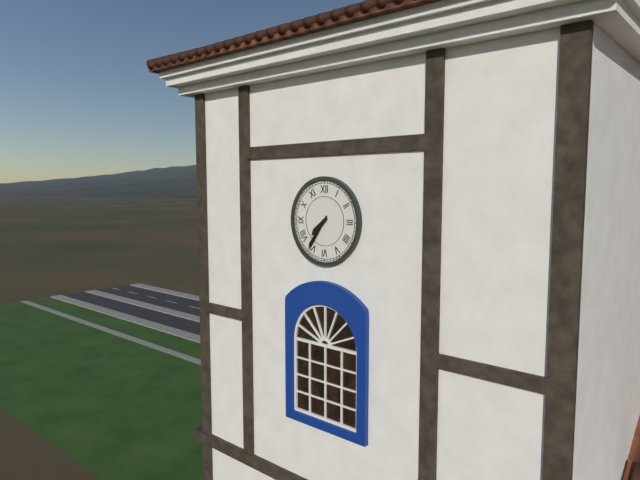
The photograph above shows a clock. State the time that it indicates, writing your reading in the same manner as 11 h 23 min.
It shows 7 h 36 min
